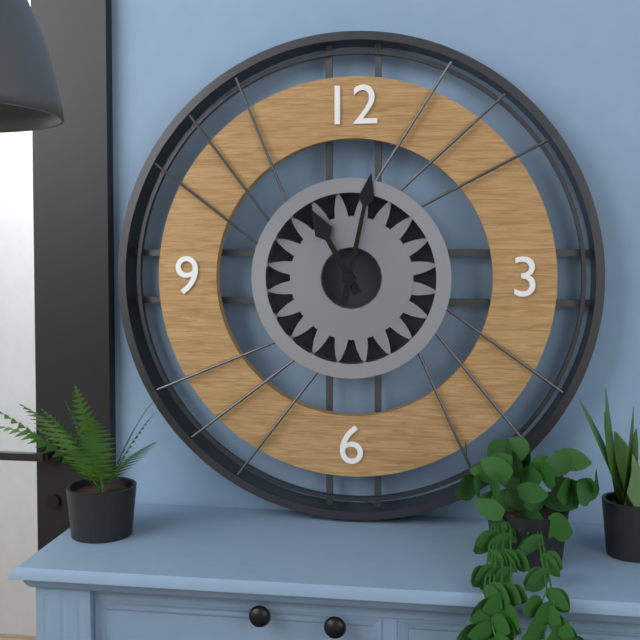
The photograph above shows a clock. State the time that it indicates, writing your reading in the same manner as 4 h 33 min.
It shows 11 h 02 min
